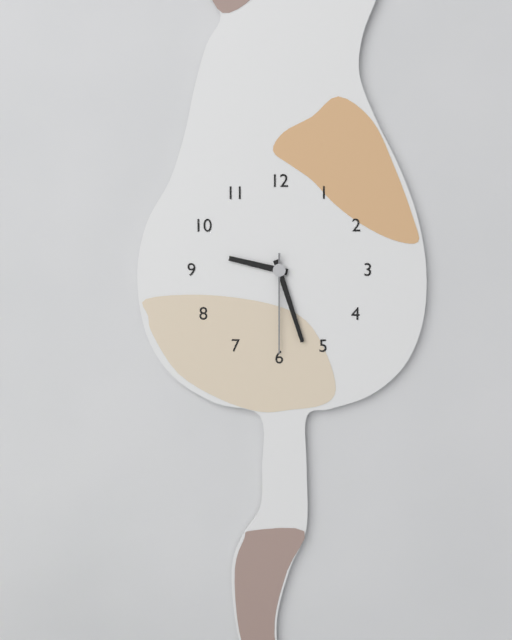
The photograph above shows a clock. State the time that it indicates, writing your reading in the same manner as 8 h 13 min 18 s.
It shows 9 h 27 min 30 s
